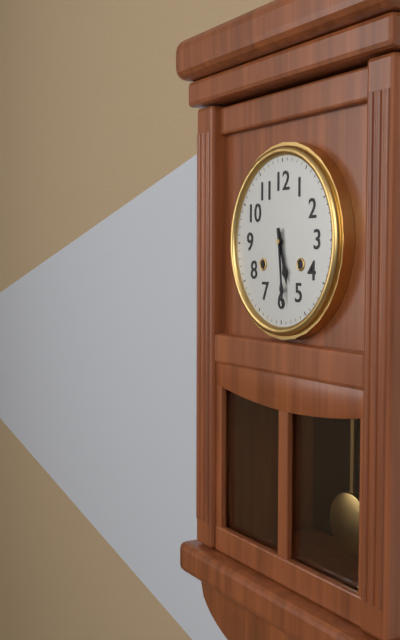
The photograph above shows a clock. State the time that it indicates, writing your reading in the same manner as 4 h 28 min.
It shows 5 h 29 min
